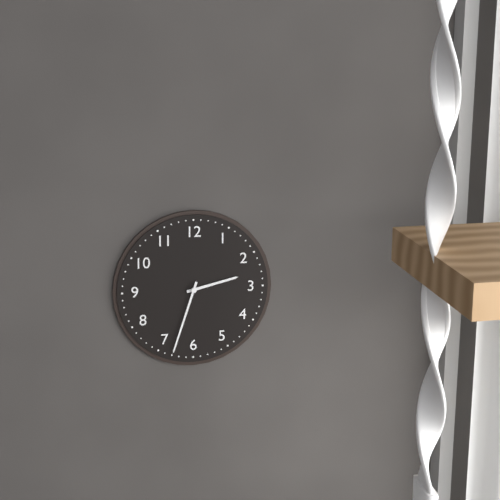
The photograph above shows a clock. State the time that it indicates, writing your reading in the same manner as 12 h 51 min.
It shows 2 h 33 min
